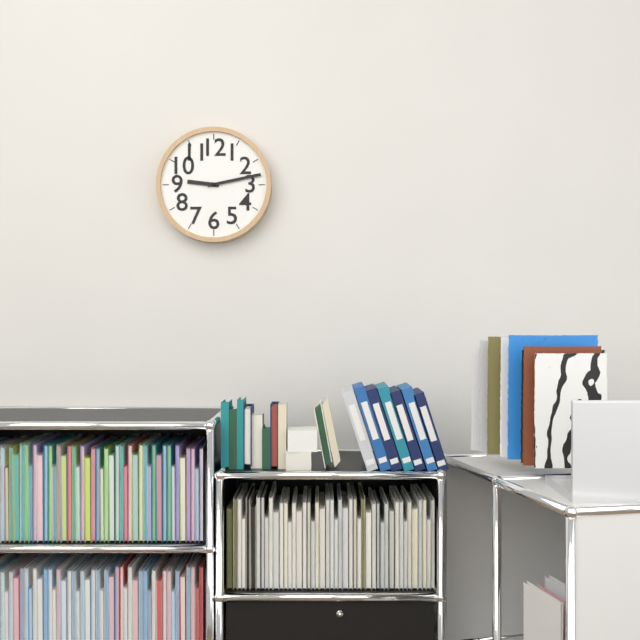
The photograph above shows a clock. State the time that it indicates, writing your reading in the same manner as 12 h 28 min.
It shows 9 h 13 min
